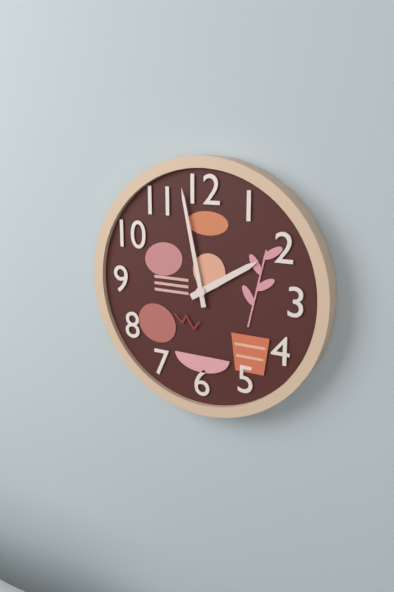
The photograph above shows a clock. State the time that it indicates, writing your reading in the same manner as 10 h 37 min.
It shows 1 h 58 min
